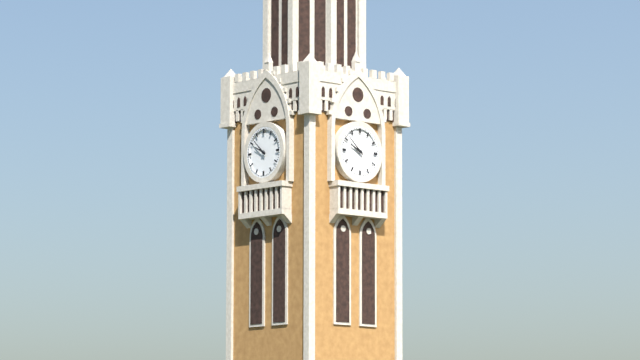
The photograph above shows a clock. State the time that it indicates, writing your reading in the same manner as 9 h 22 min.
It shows 9 h 52 min
